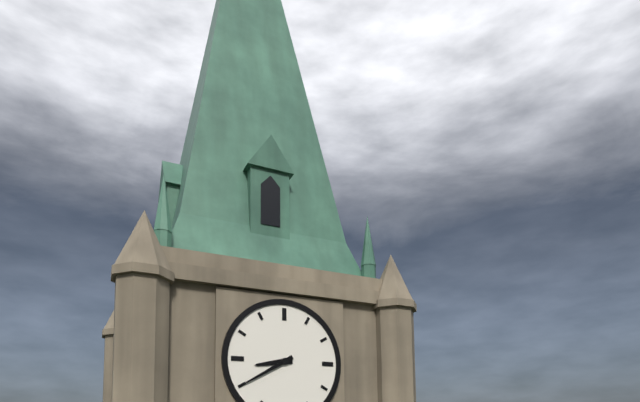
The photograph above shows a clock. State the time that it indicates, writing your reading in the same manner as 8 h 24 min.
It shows 8 h 40 min
